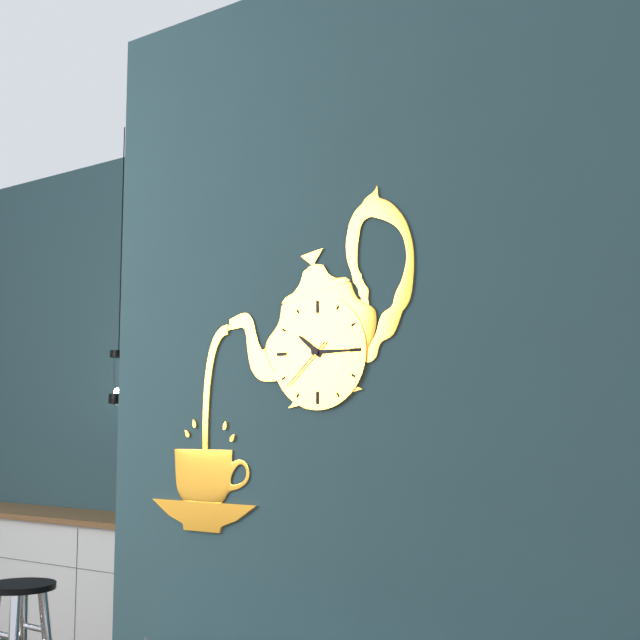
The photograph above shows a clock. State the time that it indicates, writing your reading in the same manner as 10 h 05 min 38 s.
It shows 10 h 15 min 38 s
